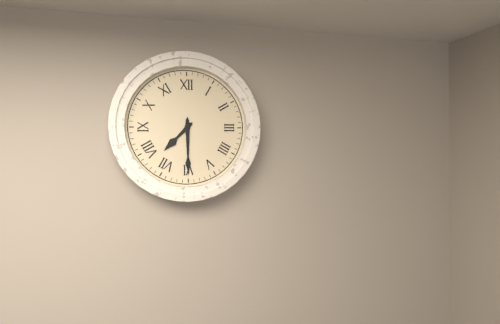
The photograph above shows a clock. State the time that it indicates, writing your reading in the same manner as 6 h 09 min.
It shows 7 h 30 min
